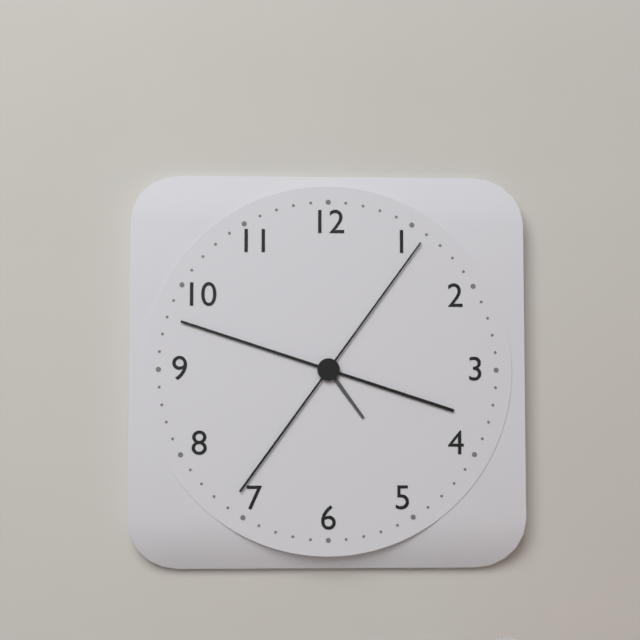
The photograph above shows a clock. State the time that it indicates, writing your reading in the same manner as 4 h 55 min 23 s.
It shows 4 h 48 min 06 s
